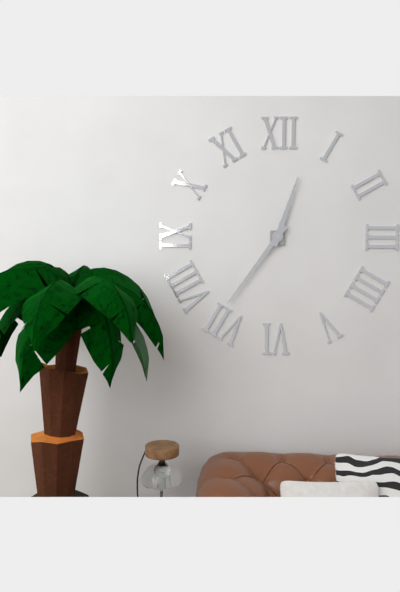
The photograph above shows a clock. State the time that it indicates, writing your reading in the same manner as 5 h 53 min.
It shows 12 h 36 min
